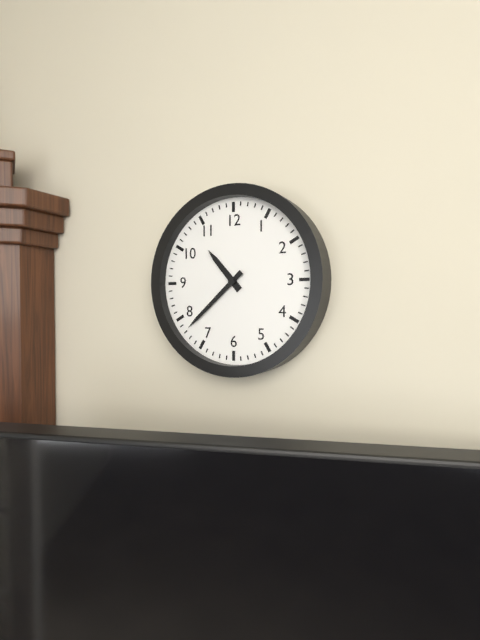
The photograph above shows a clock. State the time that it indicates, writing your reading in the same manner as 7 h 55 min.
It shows 10 h 38 min
